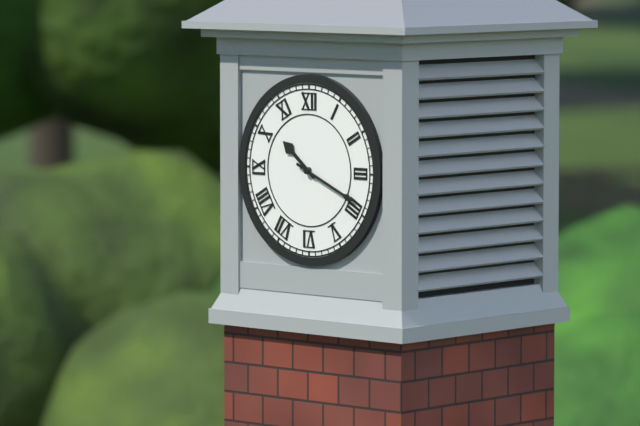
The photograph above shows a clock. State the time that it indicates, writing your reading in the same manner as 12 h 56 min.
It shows 10 h 19 min
